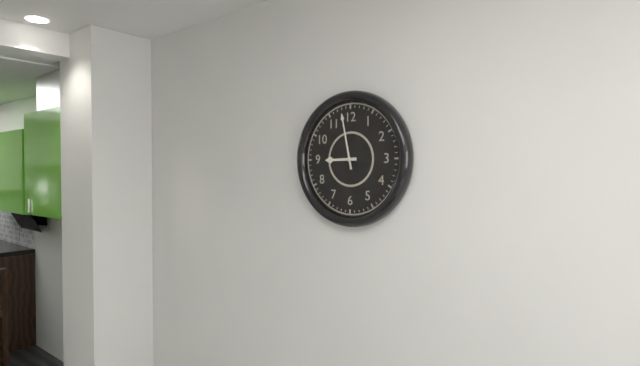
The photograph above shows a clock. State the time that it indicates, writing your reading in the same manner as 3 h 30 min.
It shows 8 h 58 min
